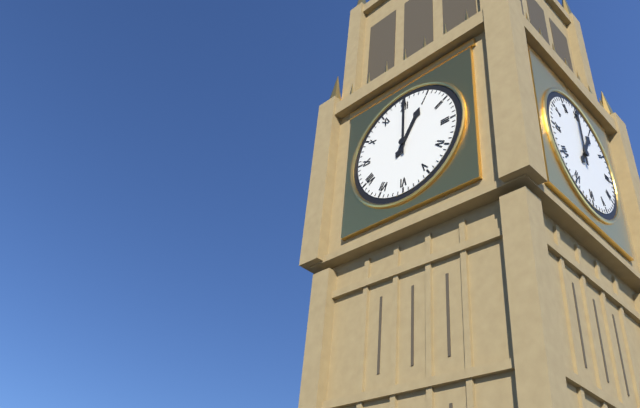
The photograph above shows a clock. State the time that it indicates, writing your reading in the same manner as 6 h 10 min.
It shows 1 h 00 min
